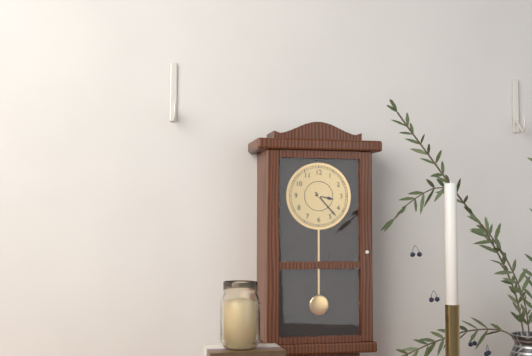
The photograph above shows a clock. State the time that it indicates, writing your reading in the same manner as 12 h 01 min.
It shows 3 h 23 min
